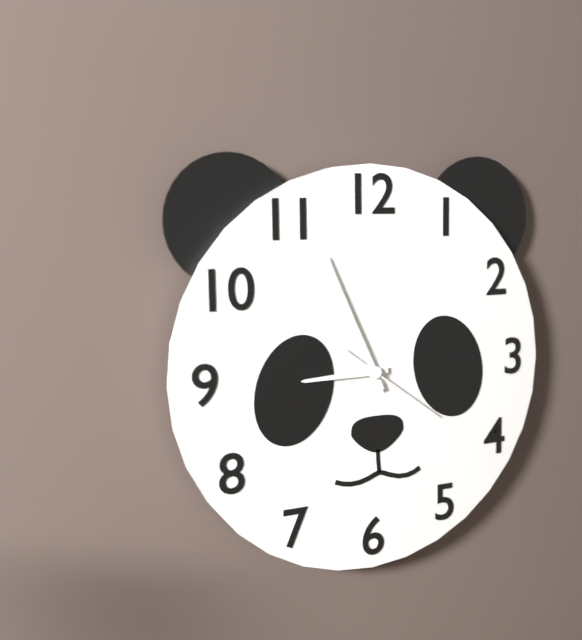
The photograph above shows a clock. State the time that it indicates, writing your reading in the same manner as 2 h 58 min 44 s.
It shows 8 h 56 min 21 s
